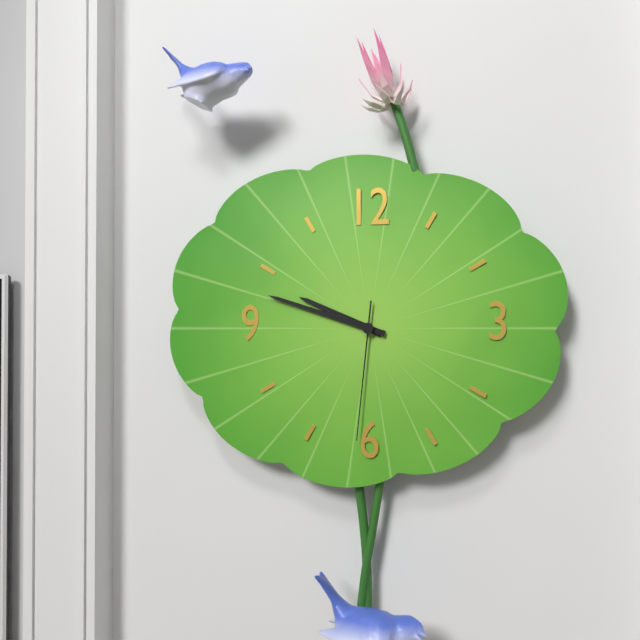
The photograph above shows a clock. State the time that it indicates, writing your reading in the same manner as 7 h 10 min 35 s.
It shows 9 h 48 min 31 s
